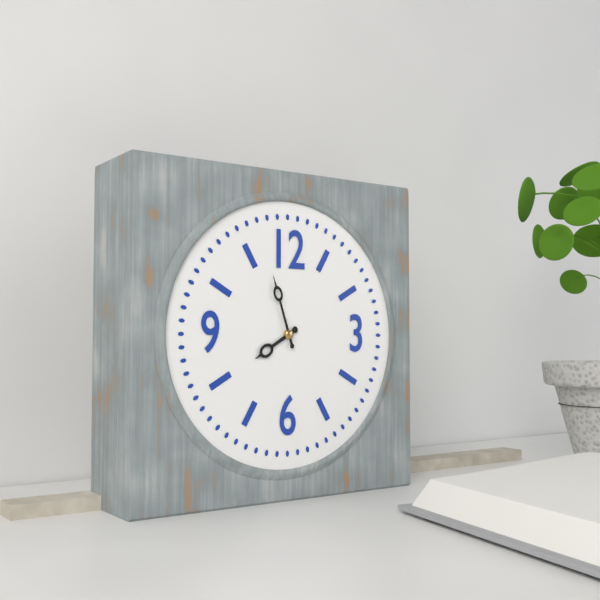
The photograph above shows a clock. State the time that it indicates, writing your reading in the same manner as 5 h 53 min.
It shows 7 h 57 min
